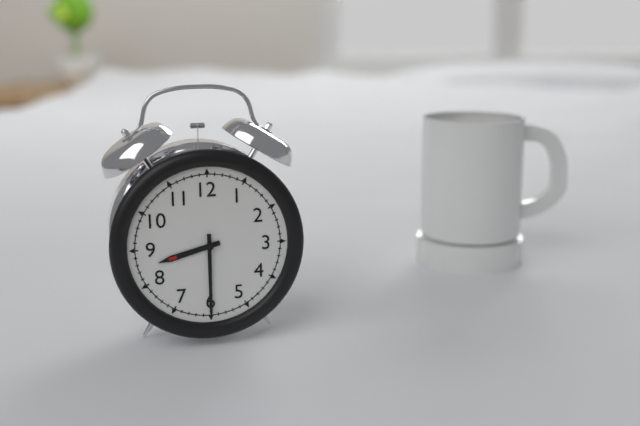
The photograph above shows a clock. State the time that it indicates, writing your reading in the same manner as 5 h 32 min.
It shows 8 h 30 min
